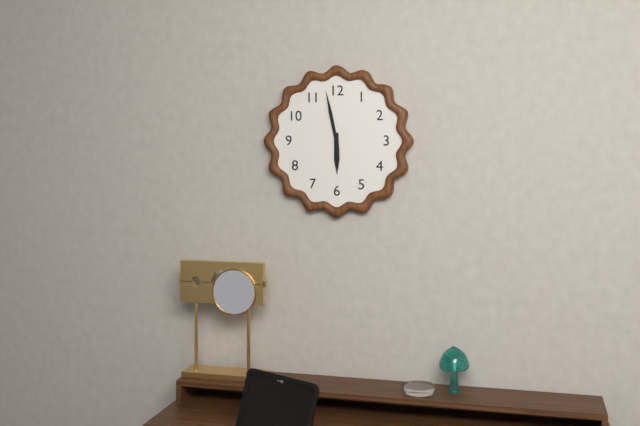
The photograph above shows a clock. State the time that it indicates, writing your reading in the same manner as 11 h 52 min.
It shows 5 h 58 min
